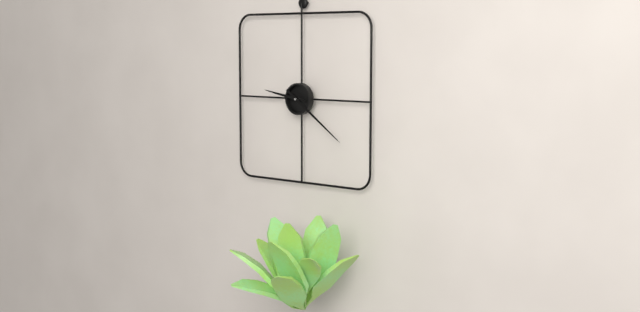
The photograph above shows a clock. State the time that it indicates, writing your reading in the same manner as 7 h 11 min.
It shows 9 h 21 min
